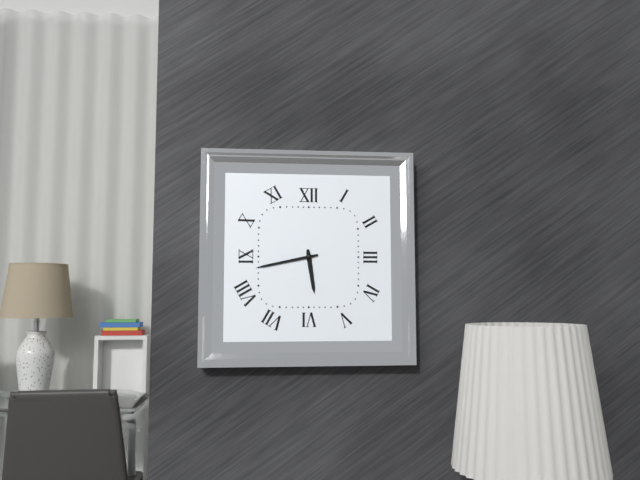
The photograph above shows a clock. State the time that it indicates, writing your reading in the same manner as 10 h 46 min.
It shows 5 h 43 min
